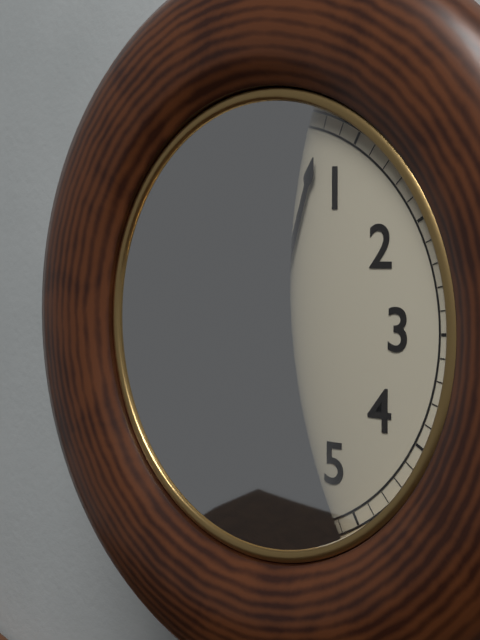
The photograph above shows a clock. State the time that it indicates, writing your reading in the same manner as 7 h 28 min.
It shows 7 h 03 min
